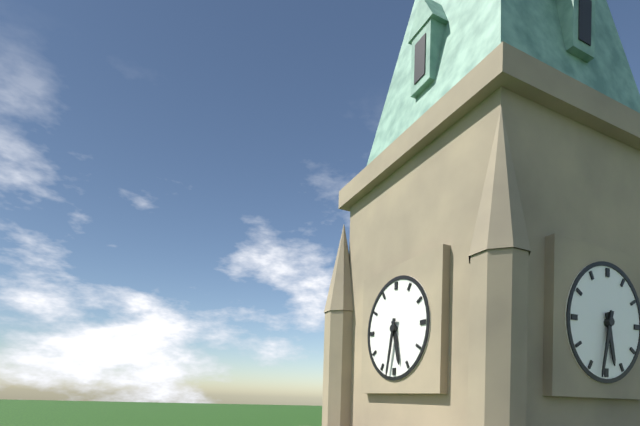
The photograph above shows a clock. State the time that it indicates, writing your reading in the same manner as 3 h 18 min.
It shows 5 h 32 min
